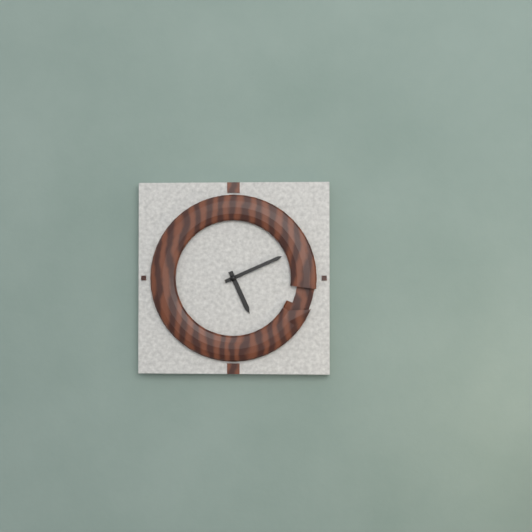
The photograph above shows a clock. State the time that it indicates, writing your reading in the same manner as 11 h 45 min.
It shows 5 h 11 min
